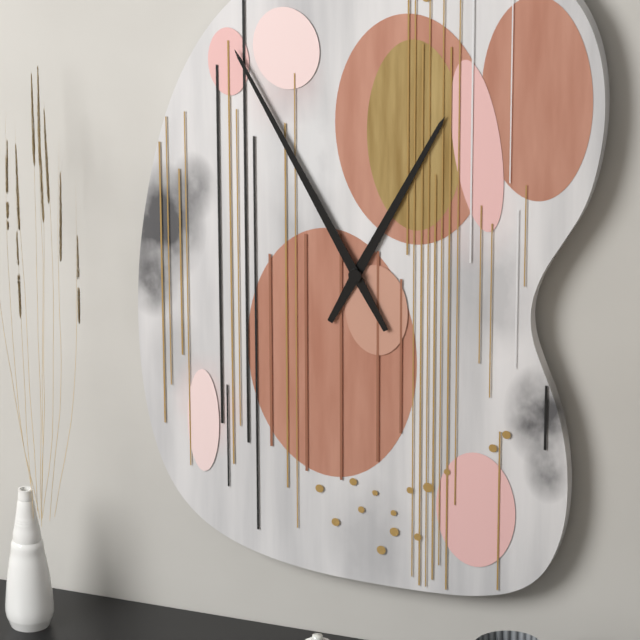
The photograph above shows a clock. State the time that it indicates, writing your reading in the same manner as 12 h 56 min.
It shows 12 h 55 min
